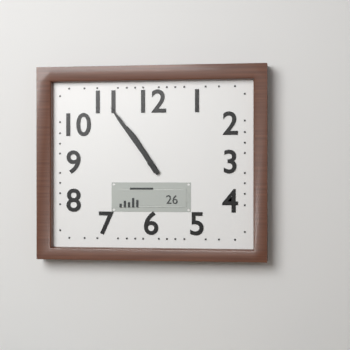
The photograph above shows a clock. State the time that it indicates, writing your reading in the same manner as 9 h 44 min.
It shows 10 h 54 min
